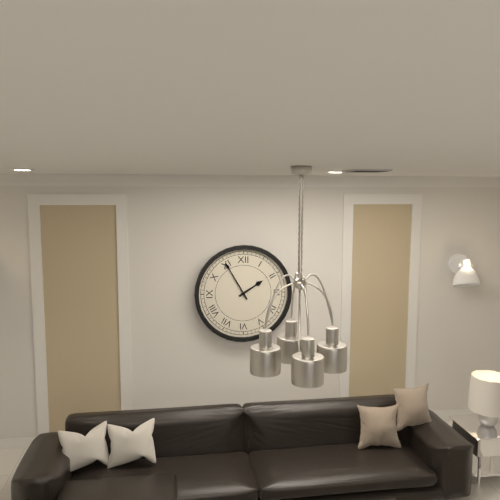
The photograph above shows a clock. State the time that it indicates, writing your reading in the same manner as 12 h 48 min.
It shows 1 h 55 min
